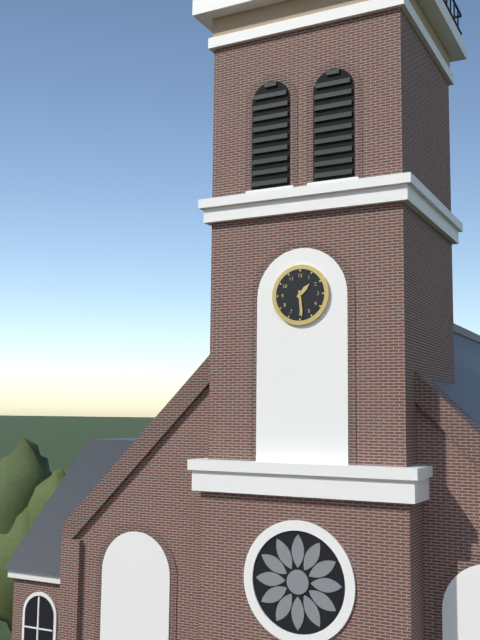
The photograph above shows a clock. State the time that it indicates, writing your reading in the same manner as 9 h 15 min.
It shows 1 h 29 min
